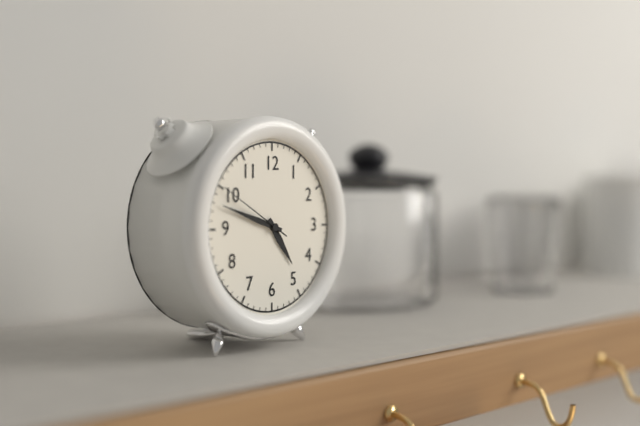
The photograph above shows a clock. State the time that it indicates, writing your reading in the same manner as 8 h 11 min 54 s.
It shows 4 h 48 min 50 s
